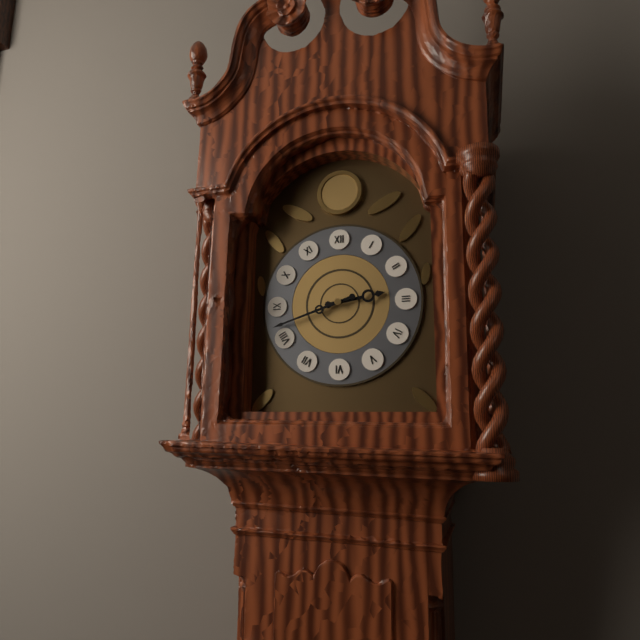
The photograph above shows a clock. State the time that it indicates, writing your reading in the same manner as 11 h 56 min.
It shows 2 h 42 min
